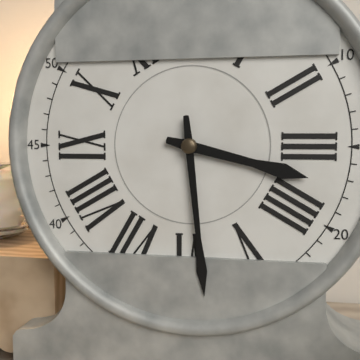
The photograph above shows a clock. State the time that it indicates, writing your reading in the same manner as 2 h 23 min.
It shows 3 h 29 min
